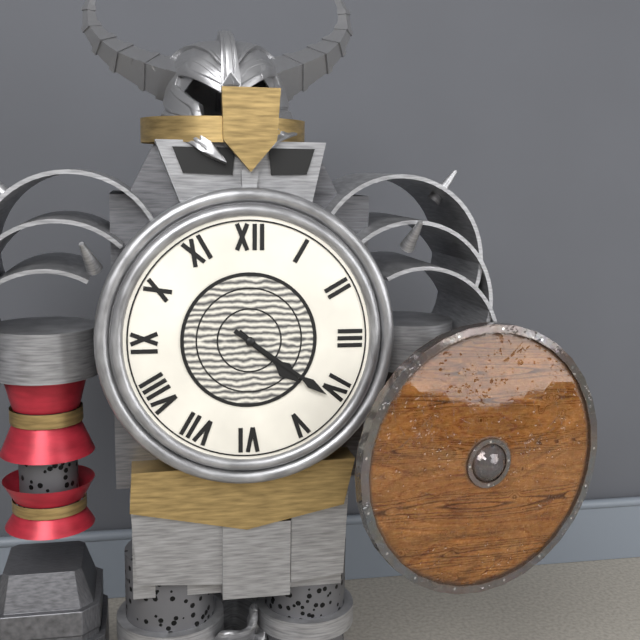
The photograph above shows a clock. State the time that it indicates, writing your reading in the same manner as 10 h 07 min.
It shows 4 h 21 min
